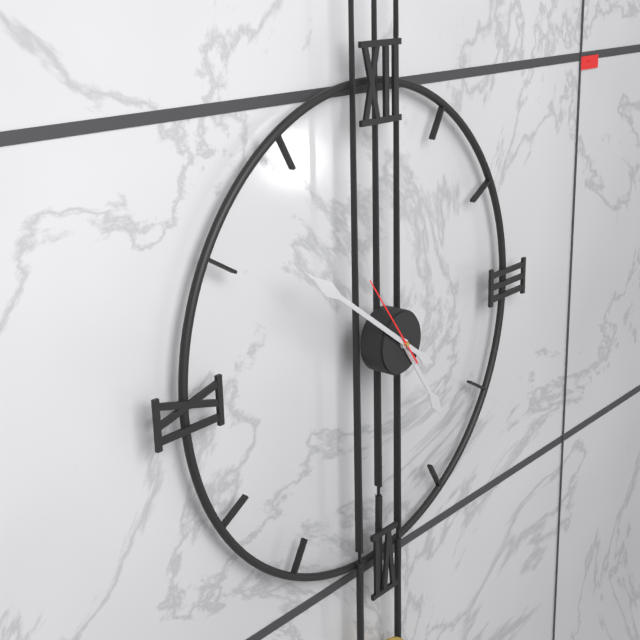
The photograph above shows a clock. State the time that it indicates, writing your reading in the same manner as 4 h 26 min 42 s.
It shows 4 h 51 min 54 s
